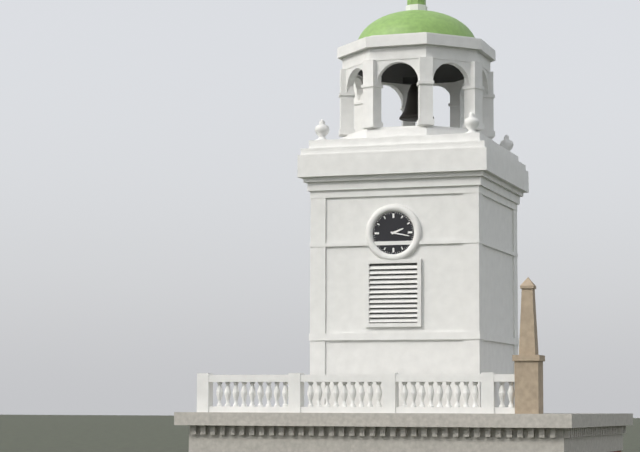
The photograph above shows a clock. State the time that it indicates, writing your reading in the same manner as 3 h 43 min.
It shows 2 h 17 min
